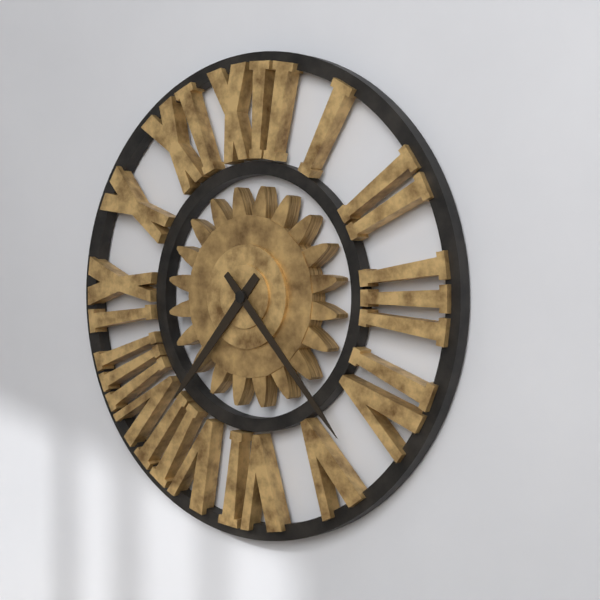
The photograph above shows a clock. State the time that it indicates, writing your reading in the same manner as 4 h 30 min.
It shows 7 h 23 min
